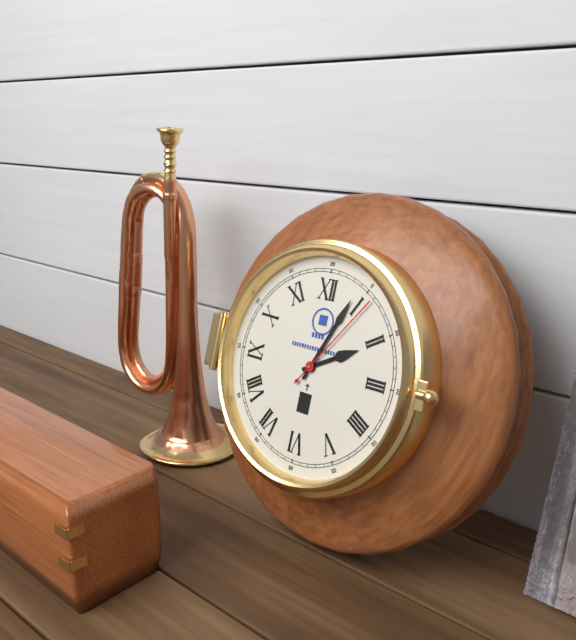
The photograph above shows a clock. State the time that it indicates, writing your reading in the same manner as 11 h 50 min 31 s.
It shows 2 h 04 min 06 s
